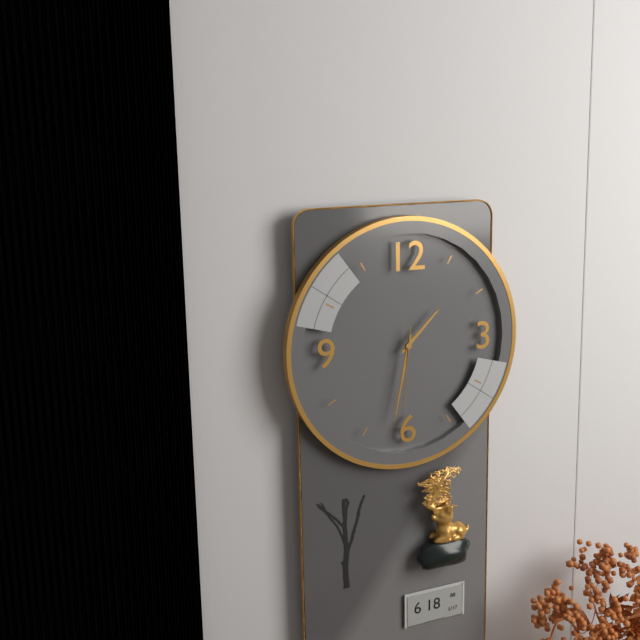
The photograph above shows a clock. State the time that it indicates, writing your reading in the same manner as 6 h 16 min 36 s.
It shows 1 h 32 min 31 s
